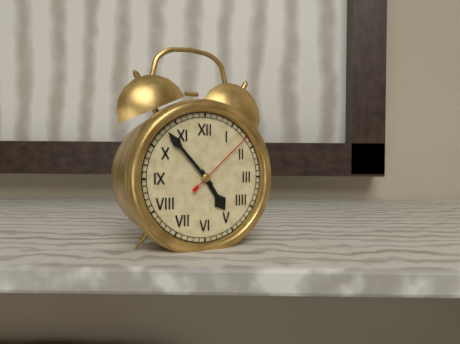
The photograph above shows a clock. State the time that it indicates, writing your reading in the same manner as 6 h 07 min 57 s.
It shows 4 h 53 min 08 s
